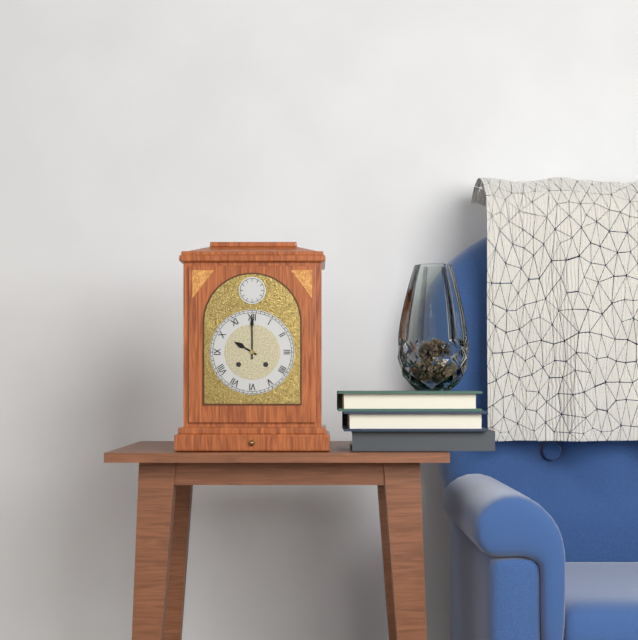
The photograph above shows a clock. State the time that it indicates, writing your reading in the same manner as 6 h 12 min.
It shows 10 h 00 min
